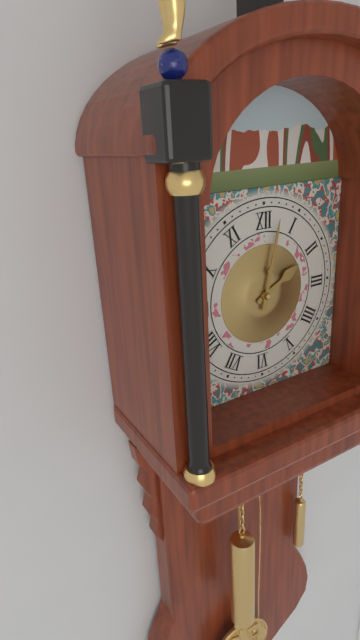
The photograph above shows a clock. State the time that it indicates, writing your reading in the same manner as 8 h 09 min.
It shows 2 h 02 min
